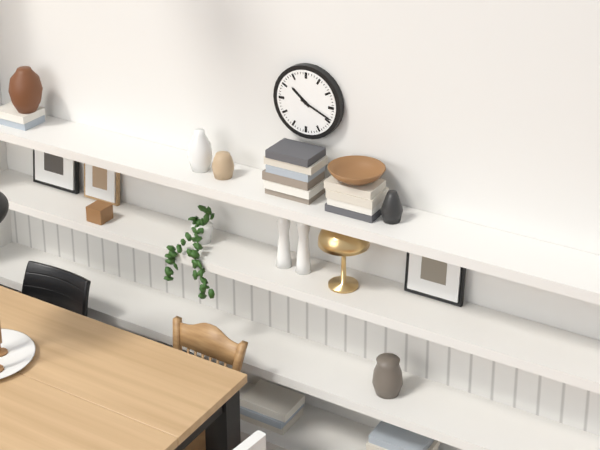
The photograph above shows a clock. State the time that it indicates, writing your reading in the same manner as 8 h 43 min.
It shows 10 h 19 min
